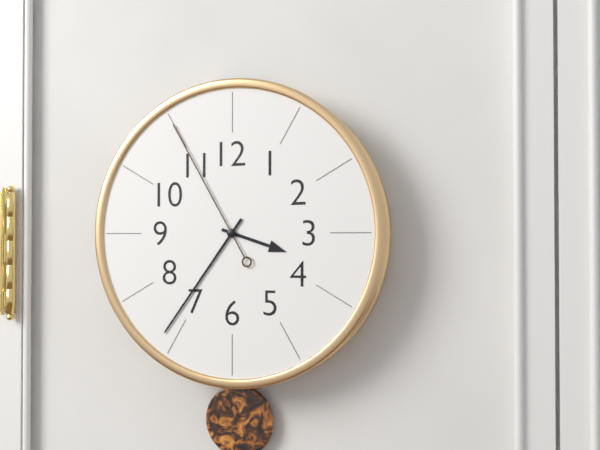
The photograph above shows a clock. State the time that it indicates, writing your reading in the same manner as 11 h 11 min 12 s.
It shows 3 h 36 min 55 s
